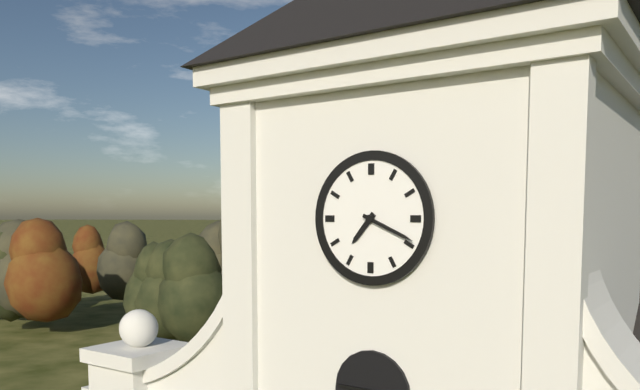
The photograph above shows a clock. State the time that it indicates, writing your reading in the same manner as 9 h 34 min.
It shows 7 h 19 min
